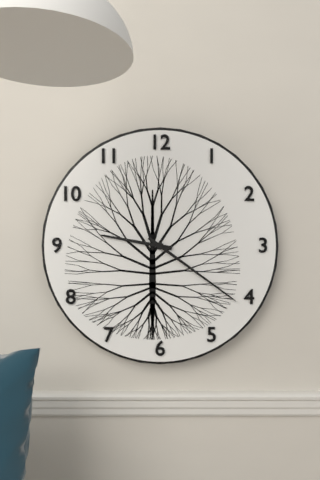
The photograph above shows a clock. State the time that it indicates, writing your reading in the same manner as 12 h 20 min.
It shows 9 h 21 min
